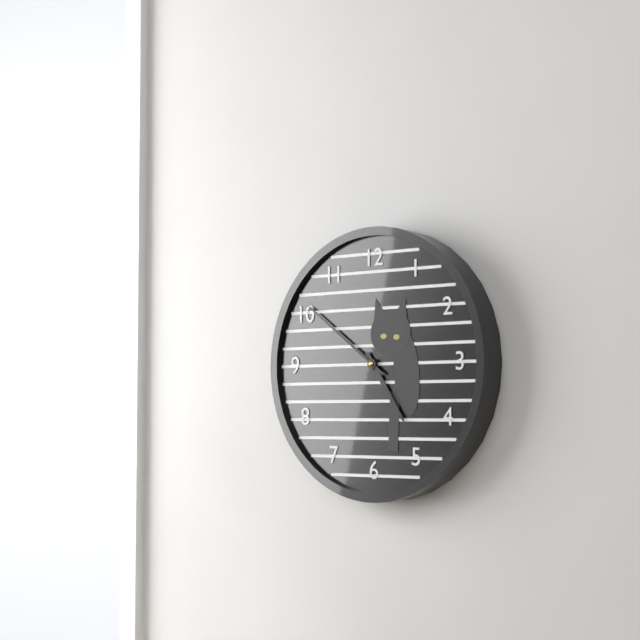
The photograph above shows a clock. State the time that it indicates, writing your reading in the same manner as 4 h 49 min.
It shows 4 h 51 min
